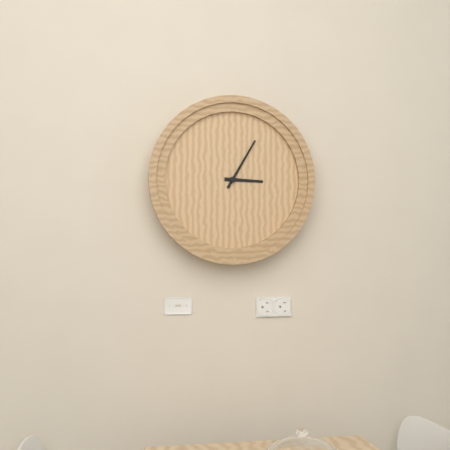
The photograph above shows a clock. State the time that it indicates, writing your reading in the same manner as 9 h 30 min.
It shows 3 h 05 min
